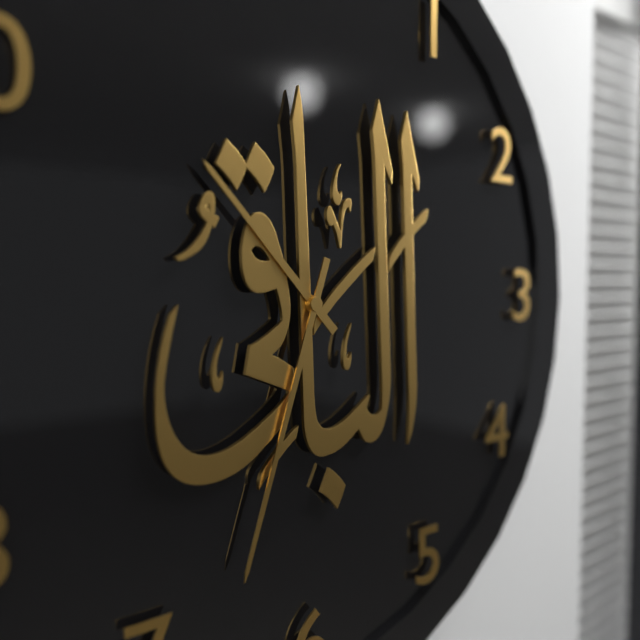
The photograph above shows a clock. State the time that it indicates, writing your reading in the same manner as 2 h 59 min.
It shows 10 h 33 min
